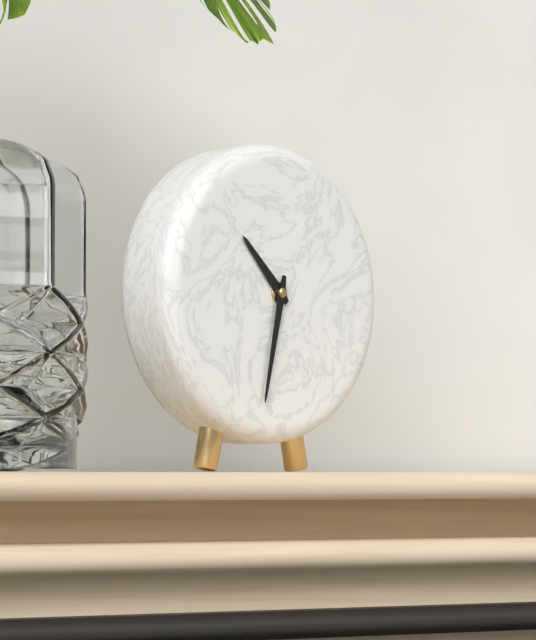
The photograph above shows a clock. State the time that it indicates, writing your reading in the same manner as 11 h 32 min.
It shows 10 h 32 min
